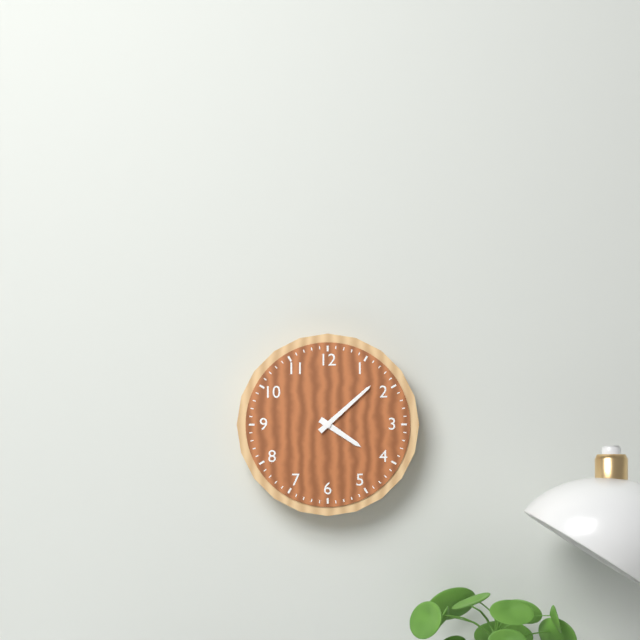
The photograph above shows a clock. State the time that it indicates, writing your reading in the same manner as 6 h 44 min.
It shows 4 h 08 min
